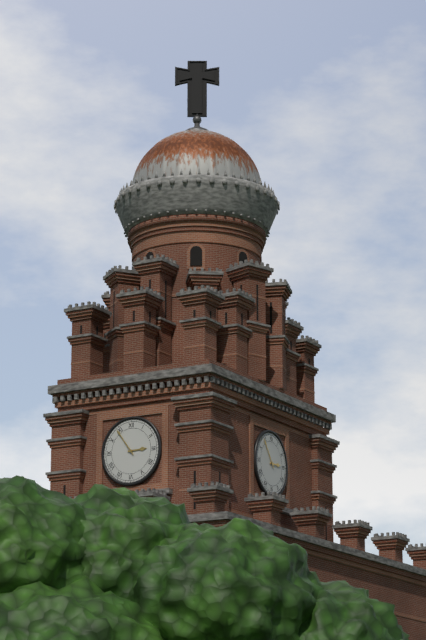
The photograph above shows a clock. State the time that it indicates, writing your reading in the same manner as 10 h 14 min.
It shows 2 h 54 min
